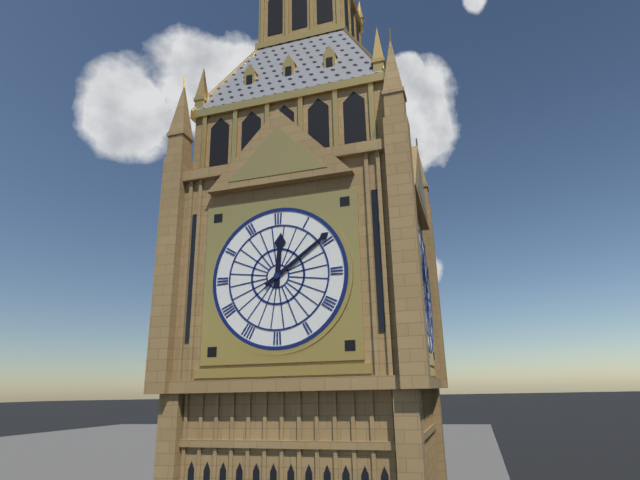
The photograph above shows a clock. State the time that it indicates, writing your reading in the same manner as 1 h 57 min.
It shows 12 h 09 min
